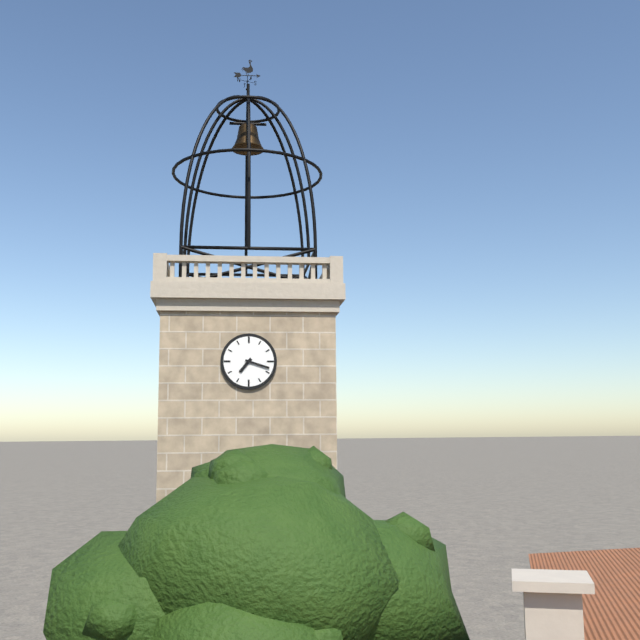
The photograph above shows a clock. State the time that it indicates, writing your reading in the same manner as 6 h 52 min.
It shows 7 h 18 min
